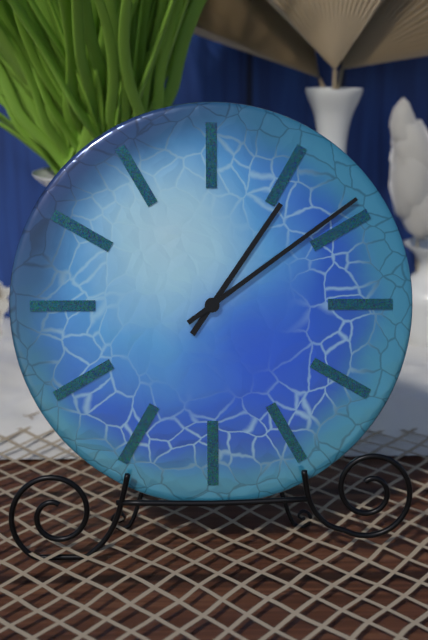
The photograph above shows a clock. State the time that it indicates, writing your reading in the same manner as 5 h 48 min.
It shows 1 h 09 min
